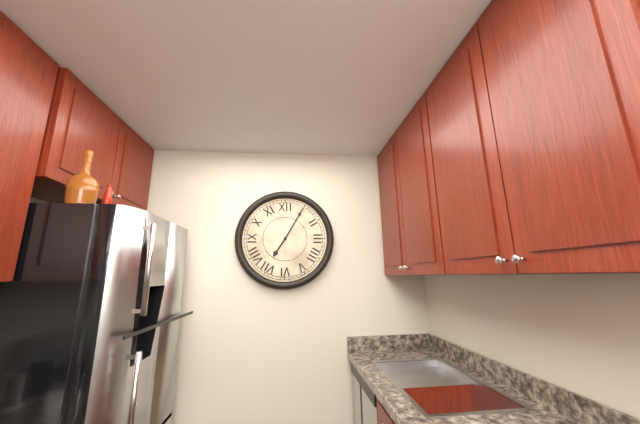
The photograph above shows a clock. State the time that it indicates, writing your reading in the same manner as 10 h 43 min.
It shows 7 h 05 min
